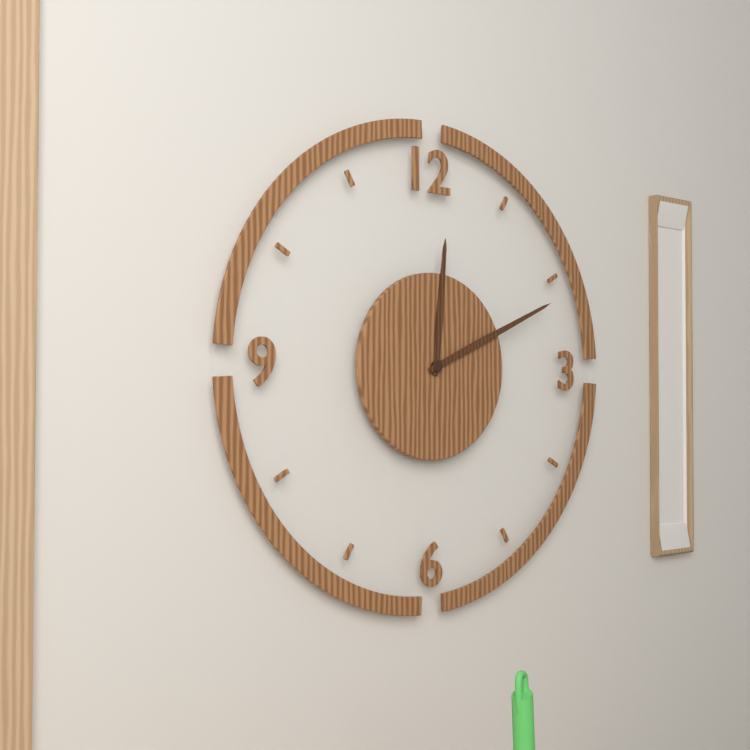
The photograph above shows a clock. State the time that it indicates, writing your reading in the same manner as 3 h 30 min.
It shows 12 h 11 min
